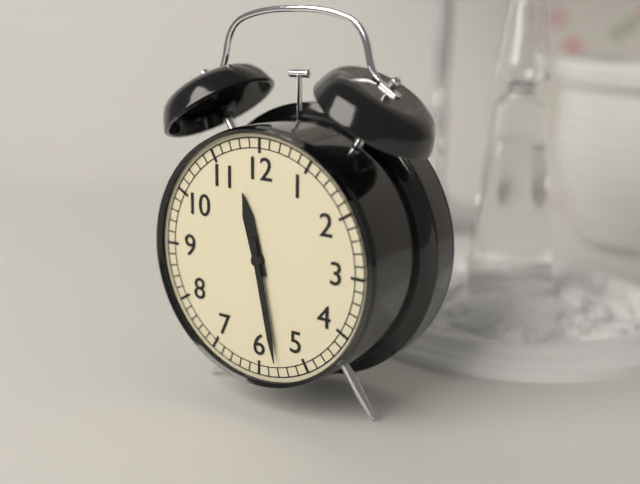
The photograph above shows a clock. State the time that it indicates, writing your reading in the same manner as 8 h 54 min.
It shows 11 h 28 min
